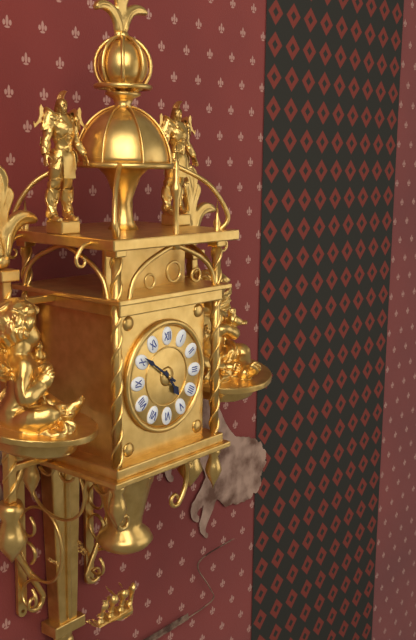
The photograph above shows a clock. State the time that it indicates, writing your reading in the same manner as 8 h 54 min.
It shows 4 h 51 min
